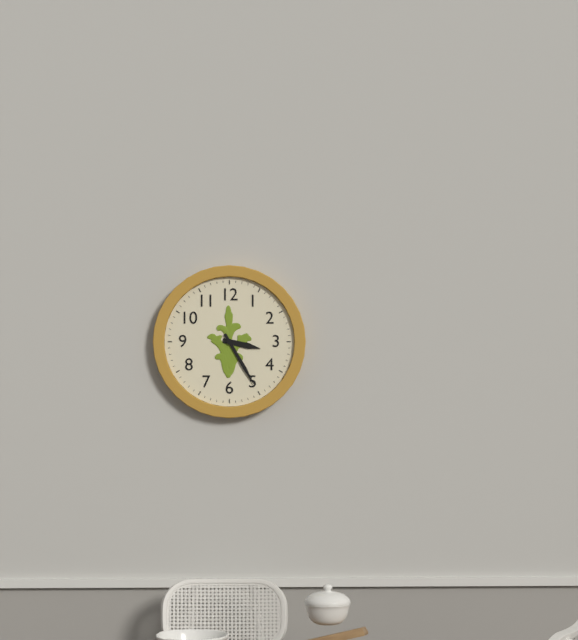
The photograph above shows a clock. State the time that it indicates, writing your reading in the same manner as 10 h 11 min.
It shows 3 h 25 min
